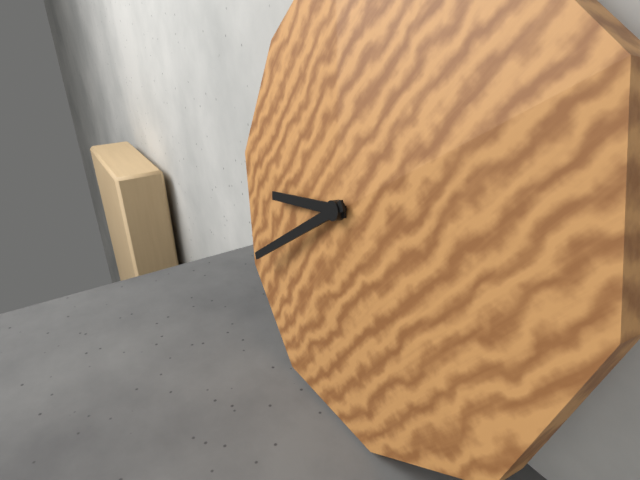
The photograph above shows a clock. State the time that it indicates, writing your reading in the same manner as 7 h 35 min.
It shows 8 h 39 min
